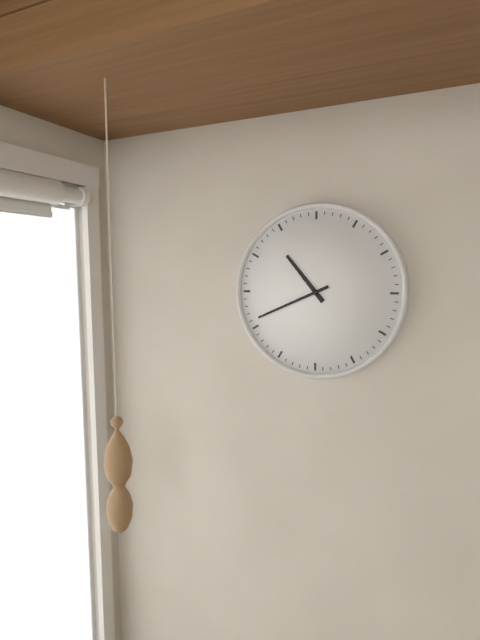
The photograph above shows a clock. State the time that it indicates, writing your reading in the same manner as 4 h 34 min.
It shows 10 h 41 min
